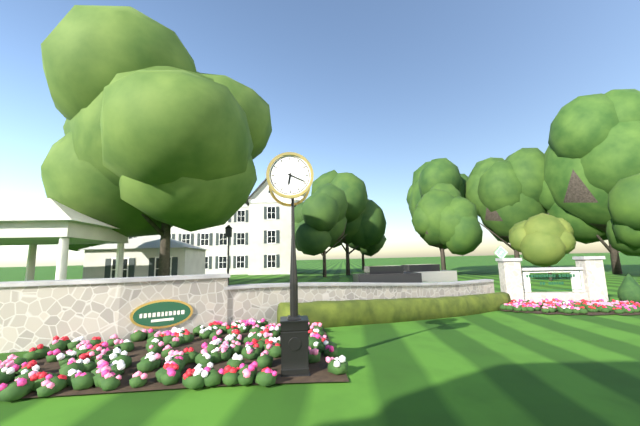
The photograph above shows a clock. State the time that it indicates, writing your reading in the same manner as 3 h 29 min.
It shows 6 h 19 min
